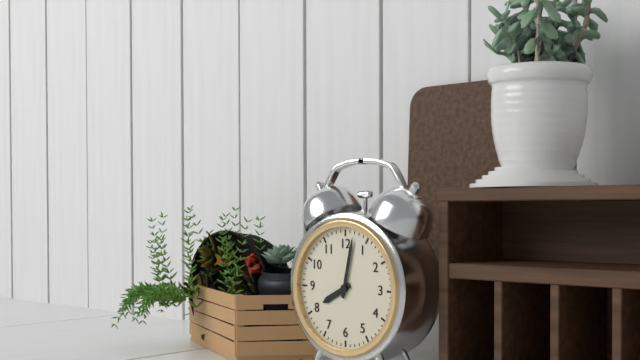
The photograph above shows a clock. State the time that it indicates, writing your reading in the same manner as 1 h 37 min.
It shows 8 h 02 min
